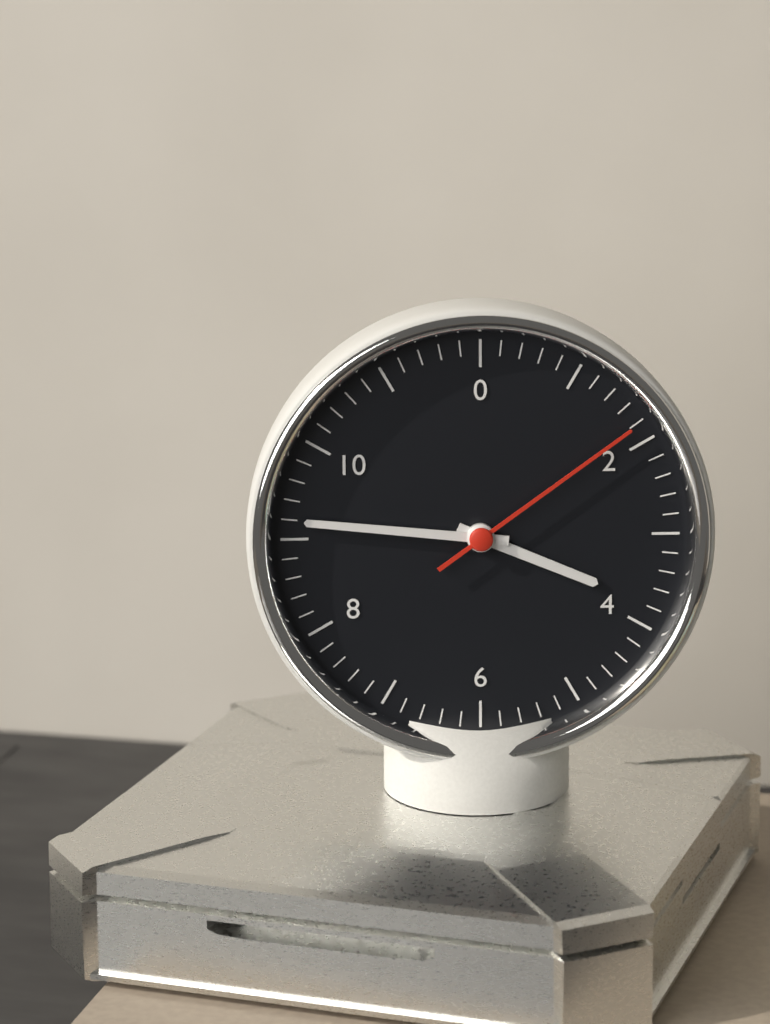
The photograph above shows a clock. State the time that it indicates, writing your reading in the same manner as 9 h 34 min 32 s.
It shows 3 h 46 min 09 s
